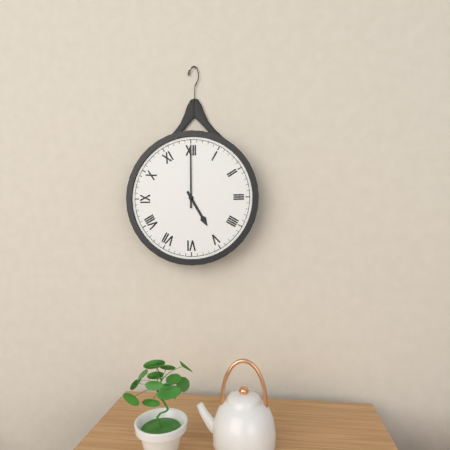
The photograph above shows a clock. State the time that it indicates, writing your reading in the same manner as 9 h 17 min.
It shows 5 h 00 min
